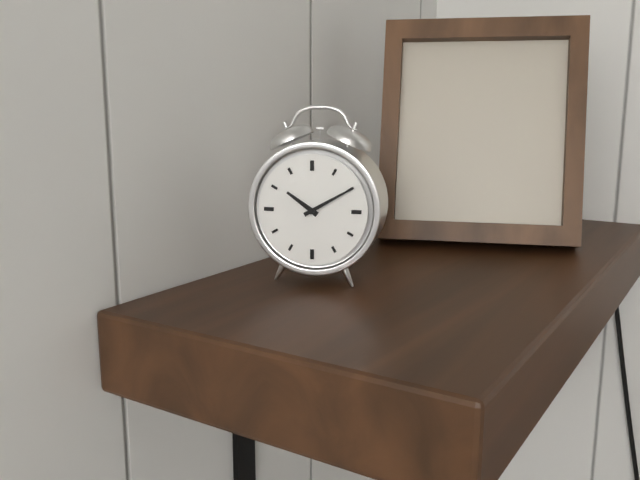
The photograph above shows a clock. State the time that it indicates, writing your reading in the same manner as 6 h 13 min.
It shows 10 h 10 min
